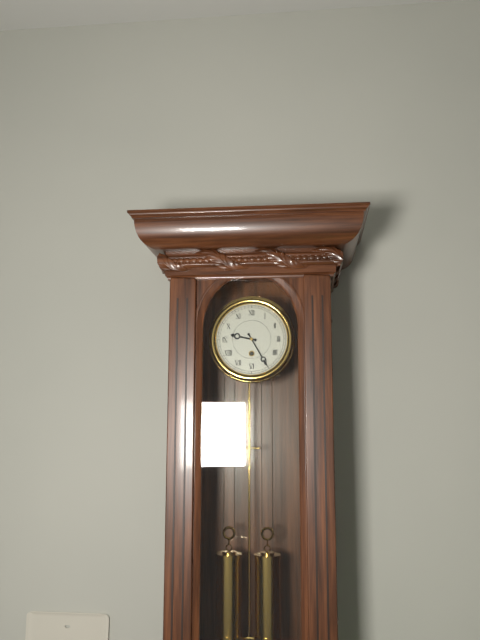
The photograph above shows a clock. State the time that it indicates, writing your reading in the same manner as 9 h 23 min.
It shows 9 h 25 min
